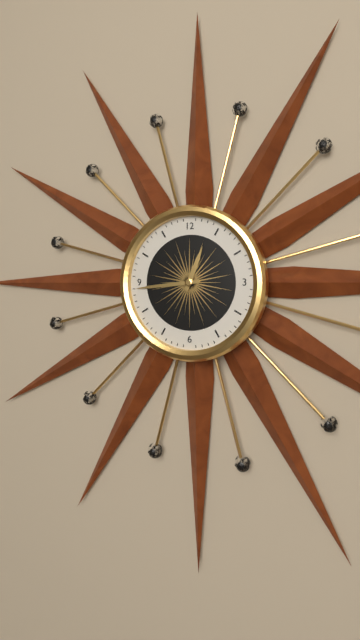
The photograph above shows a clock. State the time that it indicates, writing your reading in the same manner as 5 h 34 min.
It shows 12 h 44 min
